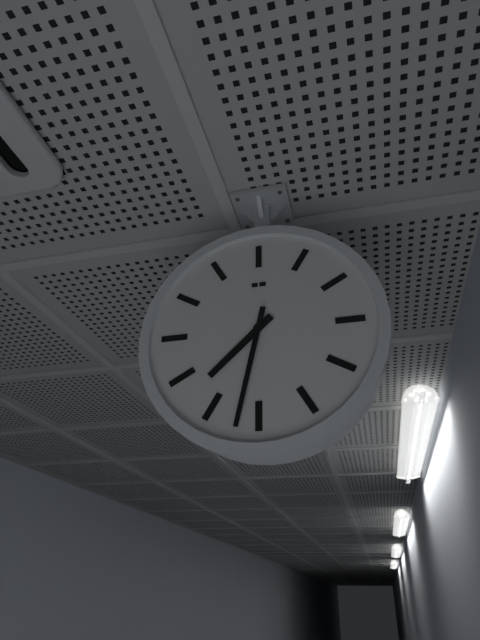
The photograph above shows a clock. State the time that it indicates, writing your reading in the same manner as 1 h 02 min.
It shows 7 h 32 min
